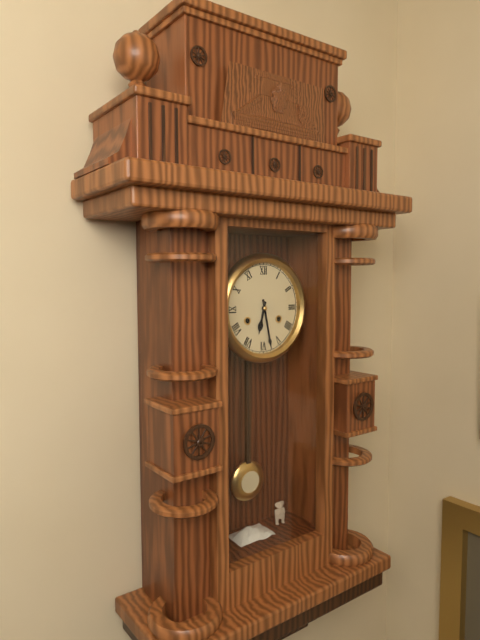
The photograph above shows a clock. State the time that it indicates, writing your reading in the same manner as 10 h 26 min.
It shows 6 h 28 min
